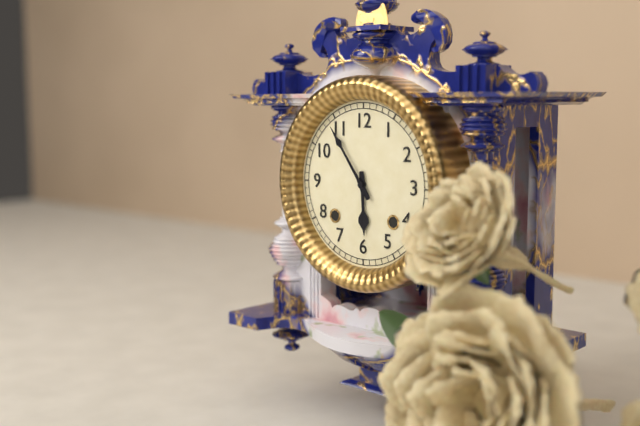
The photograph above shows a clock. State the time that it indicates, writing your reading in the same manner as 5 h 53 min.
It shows 5 h 54 min
